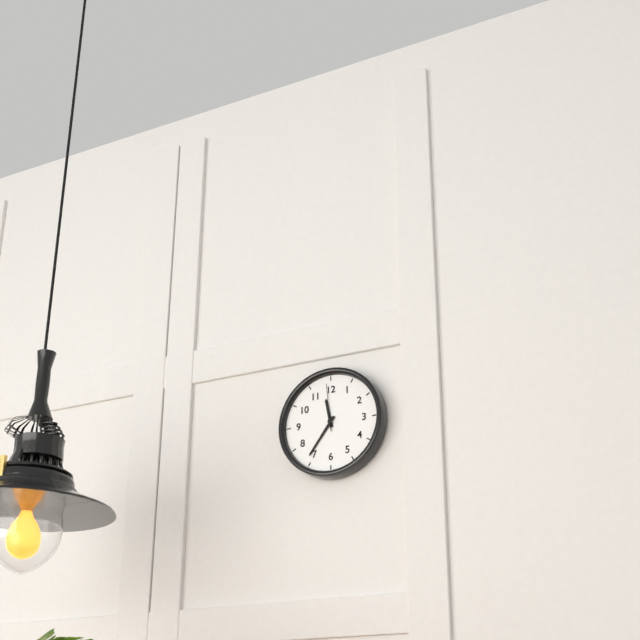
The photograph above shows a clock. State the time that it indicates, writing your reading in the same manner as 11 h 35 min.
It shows 11 h 36 min
